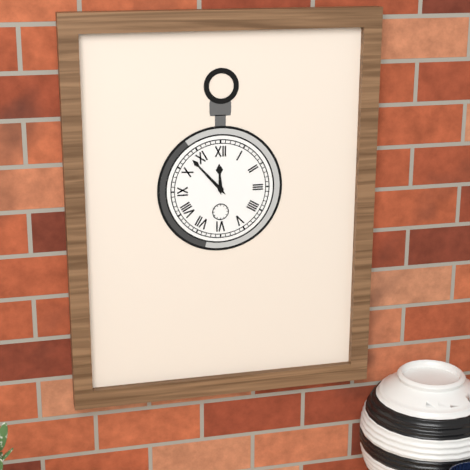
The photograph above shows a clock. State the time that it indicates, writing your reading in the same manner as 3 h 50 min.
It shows 11 h 53 min
